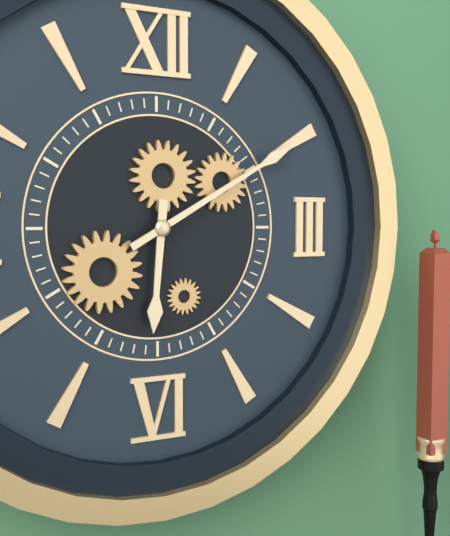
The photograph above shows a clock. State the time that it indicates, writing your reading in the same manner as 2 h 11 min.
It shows 6 h 10 min
